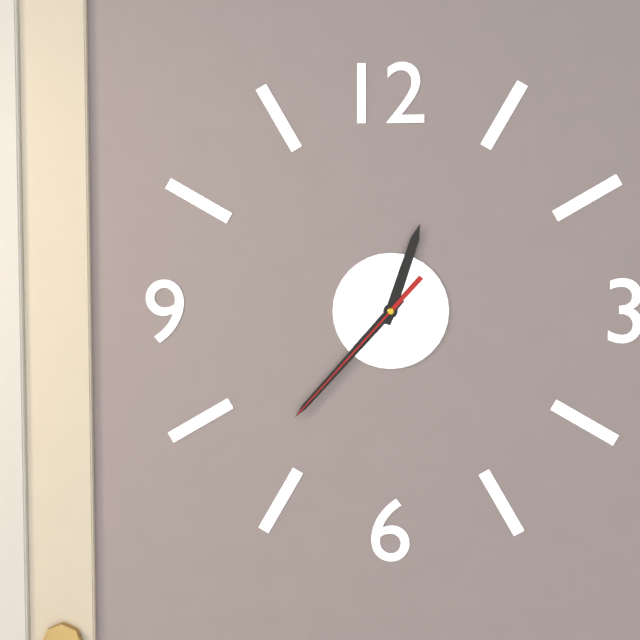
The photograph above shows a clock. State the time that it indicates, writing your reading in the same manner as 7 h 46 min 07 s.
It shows 12 h 37 min 37 s
